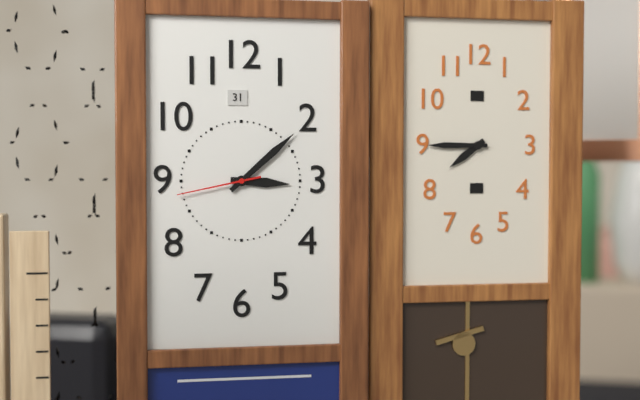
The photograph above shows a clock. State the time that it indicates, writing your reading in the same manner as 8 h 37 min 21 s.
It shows 3 h 08 min 43 s
